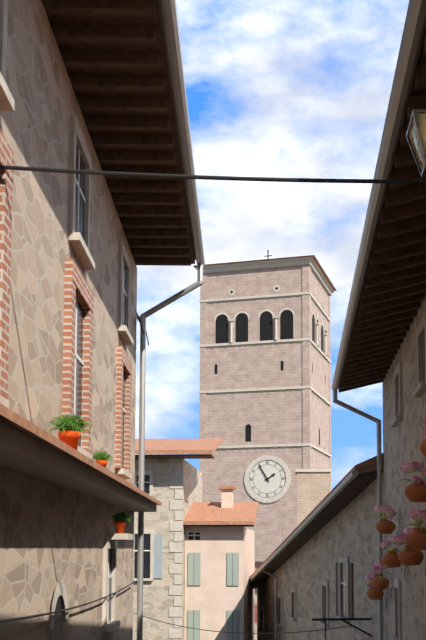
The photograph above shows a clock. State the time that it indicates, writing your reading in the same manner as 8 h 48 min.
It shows 1 h 55 min
